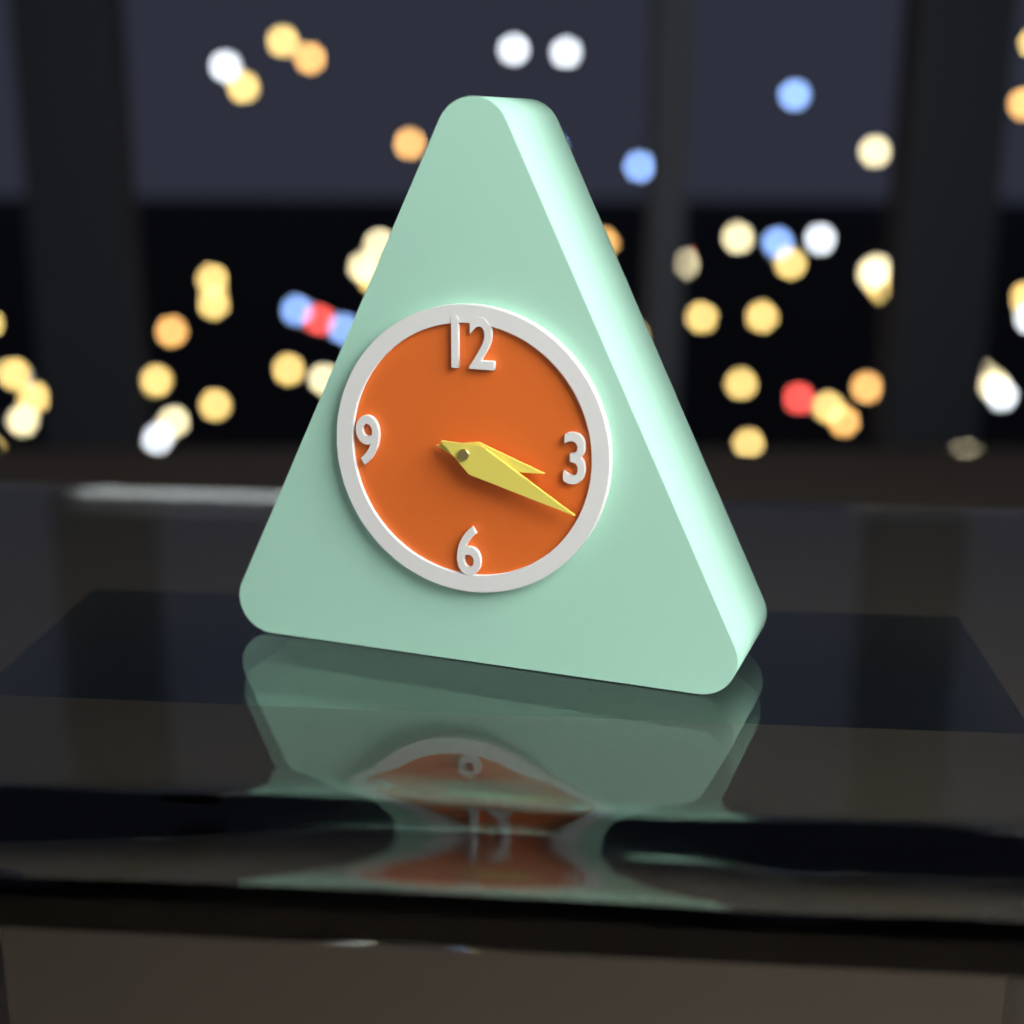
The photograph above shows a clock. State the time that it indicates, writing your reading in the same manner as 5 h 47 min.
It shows 3 h 19 min
